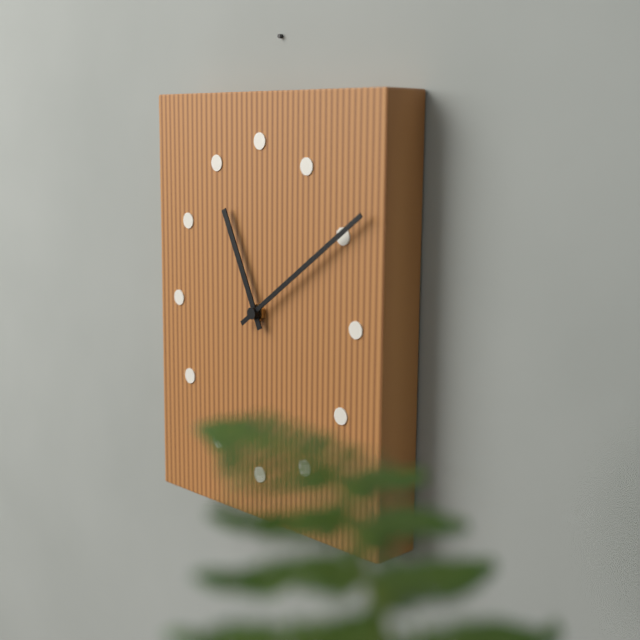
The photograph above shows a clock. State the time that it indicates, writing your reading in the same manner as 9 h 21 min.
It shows 11 h 09 min
